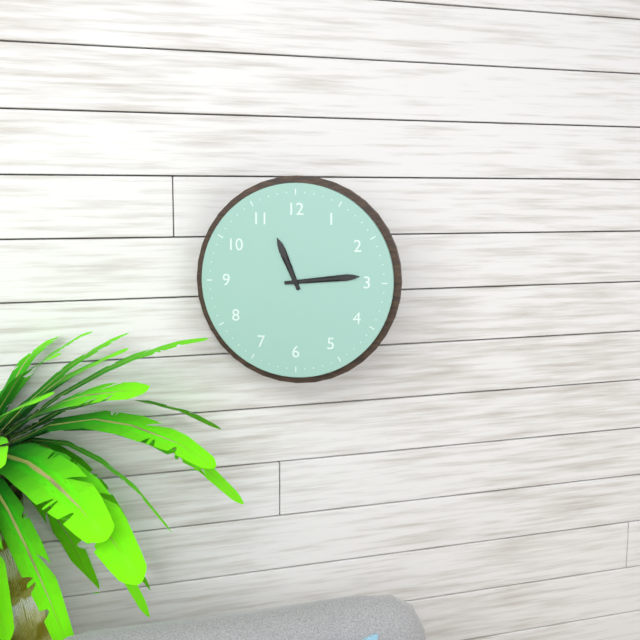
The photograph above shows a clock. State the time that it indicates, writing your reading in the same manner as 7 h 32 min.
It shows 11 h 14 min
